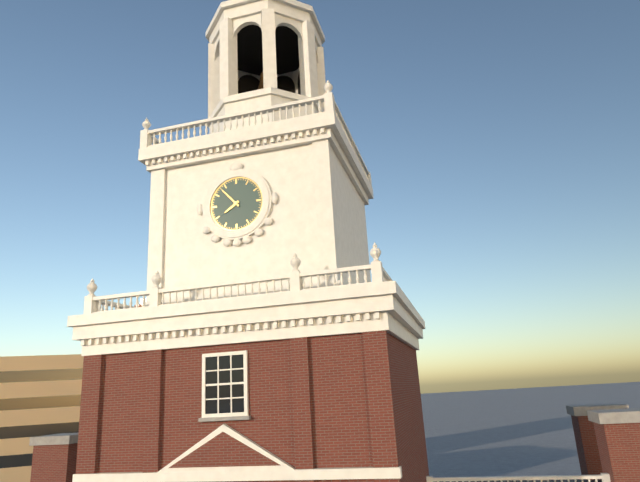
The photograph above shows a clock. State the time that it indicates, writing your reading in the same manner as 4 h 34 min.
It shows 7 h 53 min
